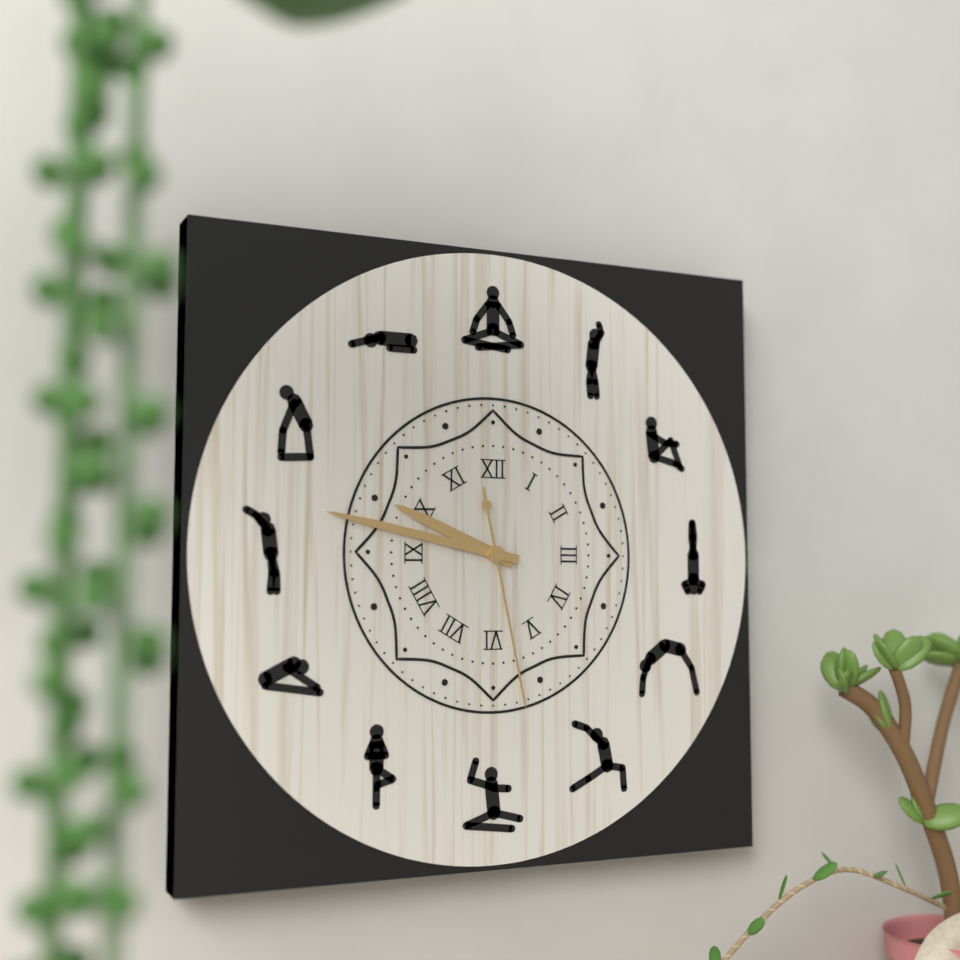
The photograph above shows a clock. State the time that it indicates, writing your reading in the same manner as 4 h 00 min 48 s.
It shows 9 h 47 min 28 s
